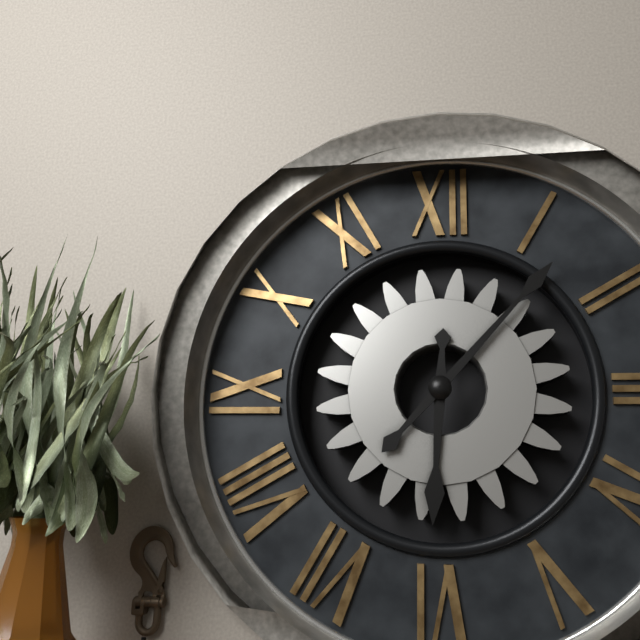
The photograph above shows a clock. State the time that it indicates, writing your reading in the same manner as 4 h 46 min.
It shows 6 h 07 min
